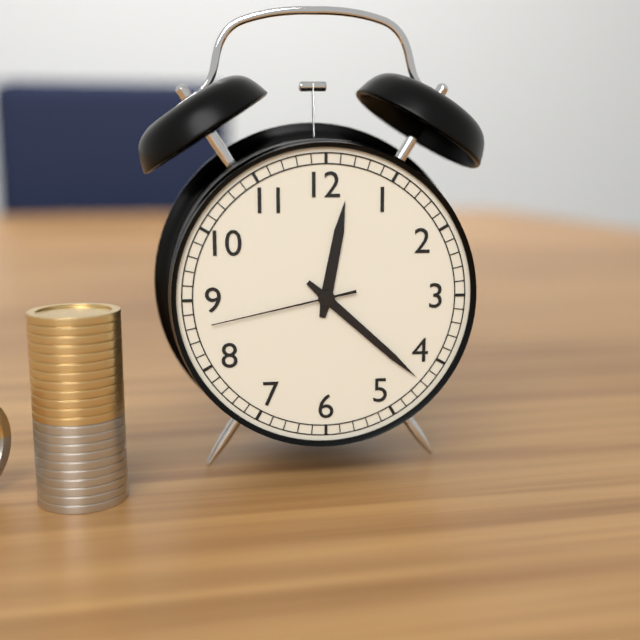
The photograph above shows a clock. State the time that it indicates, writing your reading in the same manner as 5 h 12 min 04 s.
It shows 12 h 22 min 43 s
